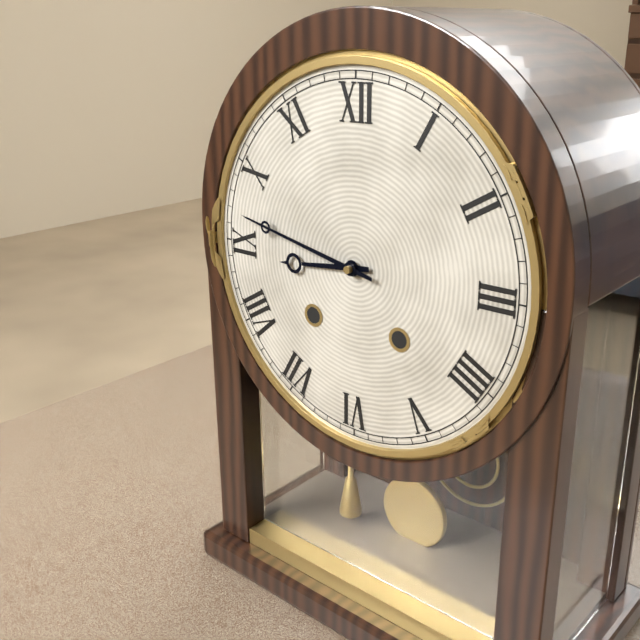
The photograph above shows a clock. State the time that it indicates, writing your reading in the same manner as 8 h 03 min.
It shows 8 h 47 min
